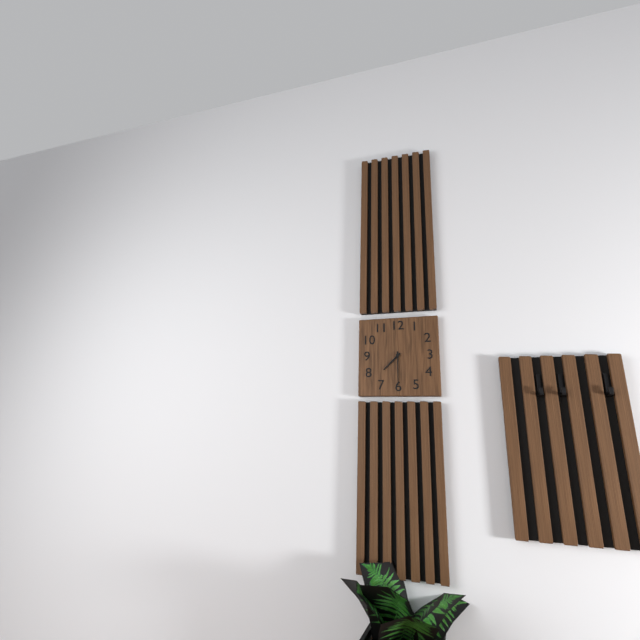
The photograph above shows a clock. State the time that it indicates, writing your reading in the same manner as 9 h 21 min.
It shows 7 h 30 min
